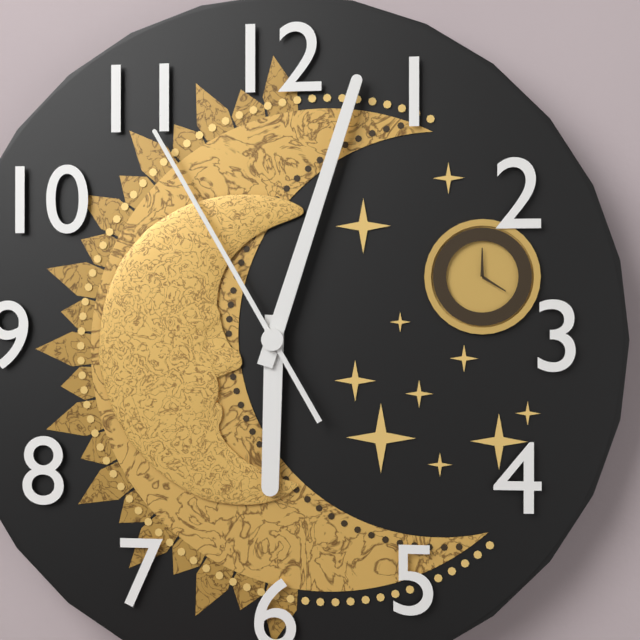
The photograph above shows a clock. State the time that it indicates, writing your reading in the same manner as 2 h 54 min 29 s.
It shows 6 h 03 min 55 s
